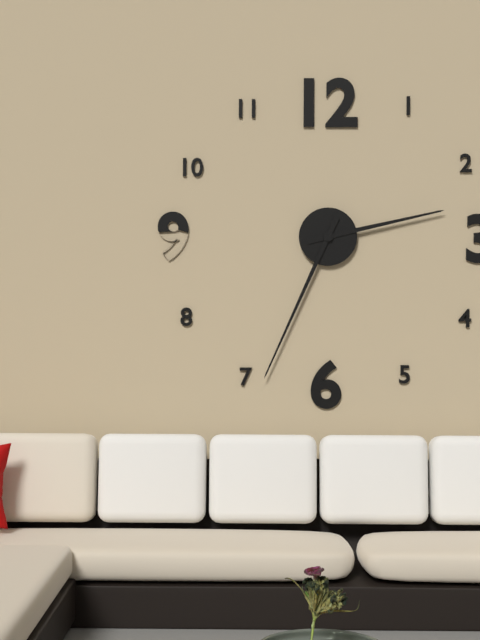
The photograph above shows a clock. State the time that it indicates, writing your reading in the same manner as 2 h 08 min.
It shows 2 h 34 min
